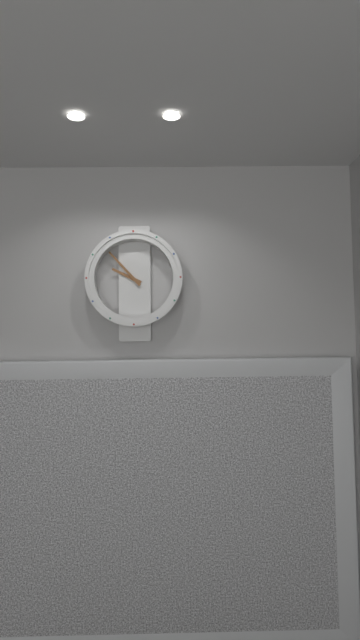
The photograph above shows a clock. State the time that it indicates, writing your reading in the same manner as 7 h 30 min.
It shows 9 h 53 min
